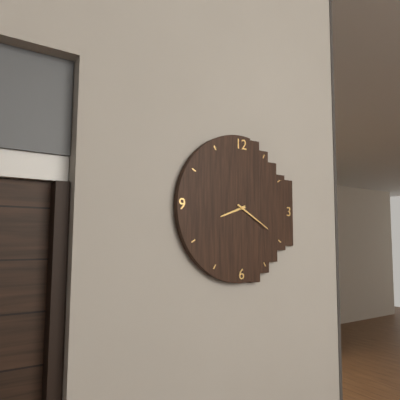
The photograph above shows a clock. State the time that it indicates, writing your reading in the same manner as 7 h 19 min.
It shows 8 h 20 min
